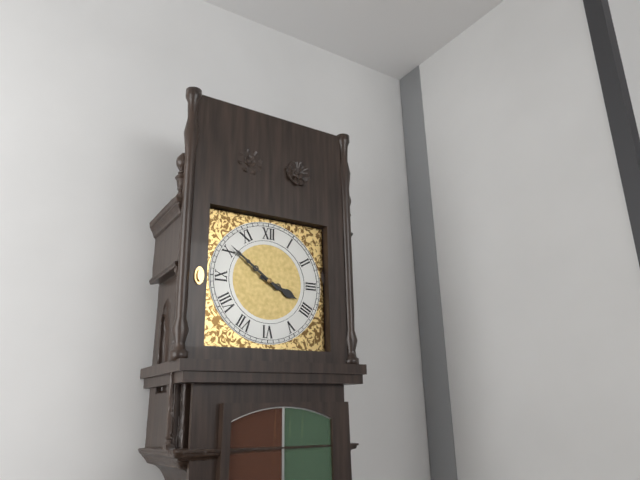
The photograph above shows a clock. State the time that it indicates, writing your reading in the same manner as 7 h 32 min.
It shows 3 h 51 min
